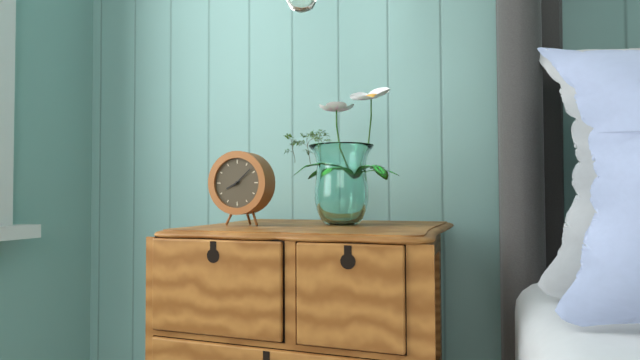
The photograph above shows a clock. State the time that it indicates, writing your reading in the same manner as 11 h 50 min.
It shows 8 h 08 min
